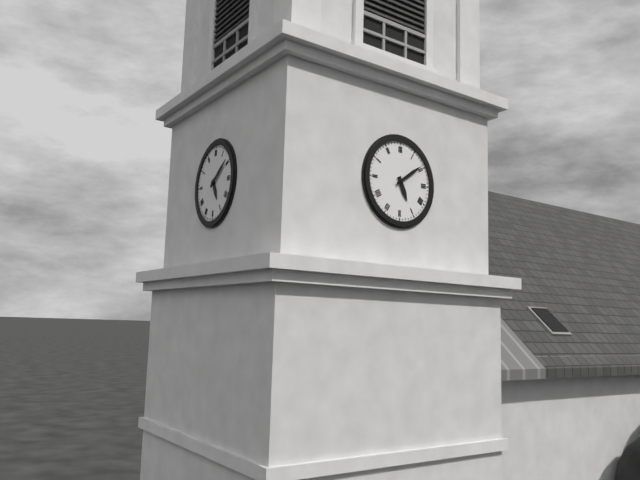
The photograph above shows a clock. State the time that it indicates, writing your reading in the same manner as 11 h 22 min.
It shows 5 h 09 min
